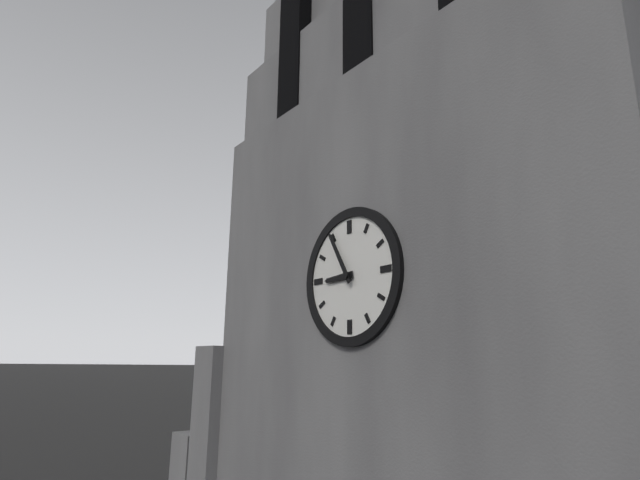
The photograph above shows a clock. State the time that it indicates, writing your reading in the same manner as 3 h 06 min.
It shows 8 h 55 min
